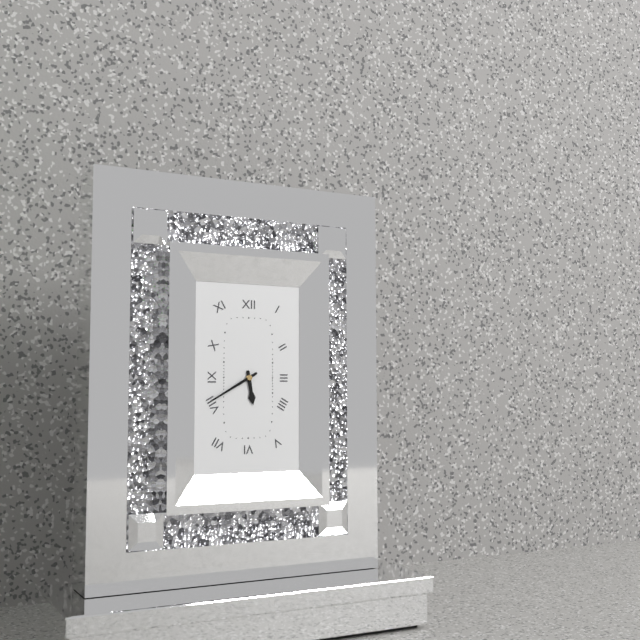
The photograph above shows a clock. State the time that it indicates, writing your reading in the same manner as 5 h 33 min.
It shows 5 h 40 min
